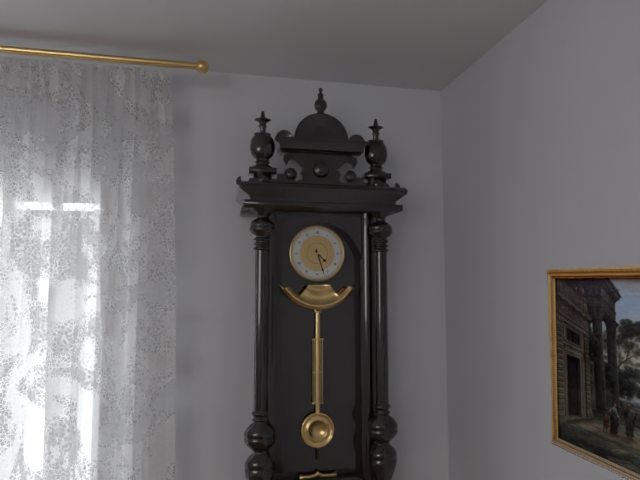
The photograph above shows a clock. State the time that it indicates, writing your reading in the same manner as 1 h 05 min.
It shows 4 h 27 min
